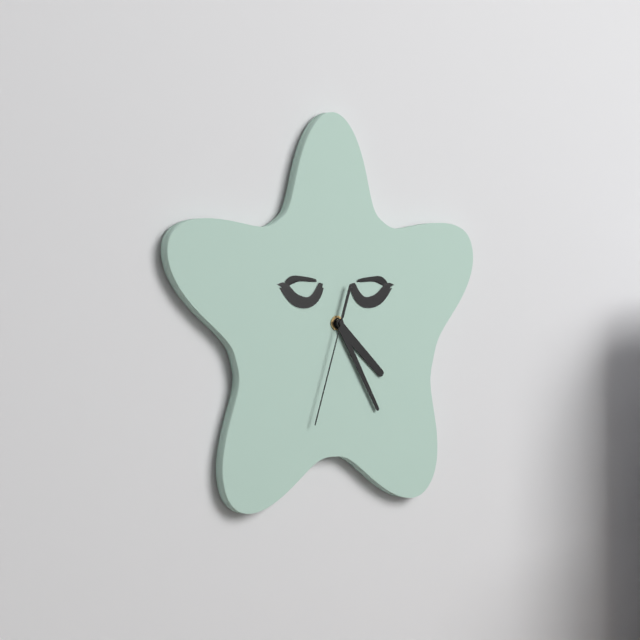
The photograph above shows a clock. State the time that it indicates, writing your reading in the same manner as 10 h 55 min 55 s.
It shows 4 h 25 min 33 s
